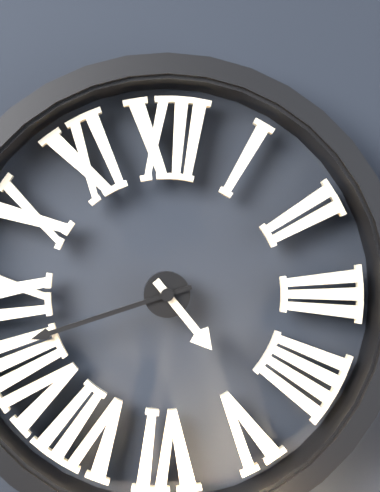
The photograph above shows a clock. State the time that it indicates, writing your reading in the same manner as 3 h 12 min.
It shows 4 h 42 min
